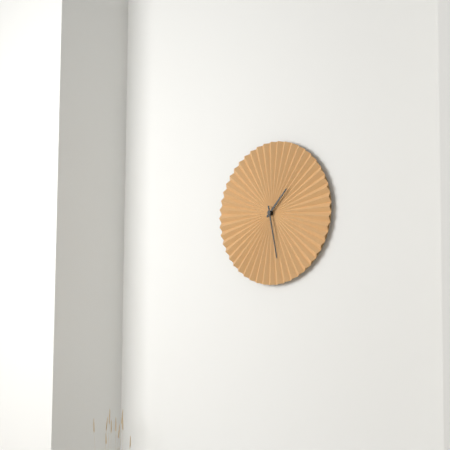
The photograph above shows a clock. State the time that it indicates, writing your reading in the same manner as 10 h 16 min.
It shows 1 h 28 min
